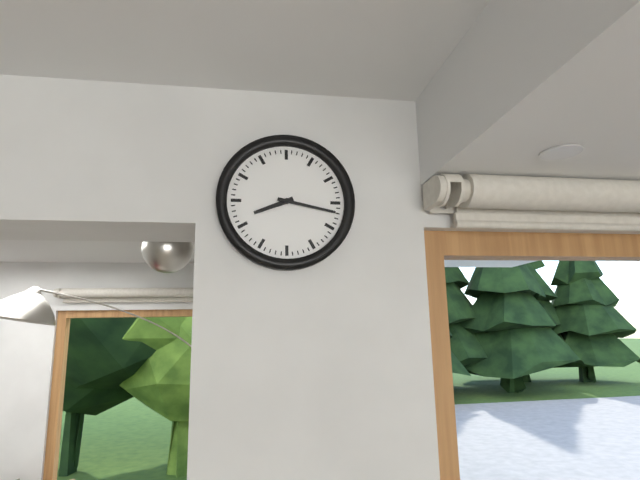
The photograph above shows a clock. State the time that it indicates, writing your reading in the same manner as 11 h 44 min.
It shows 8 h 17 min
